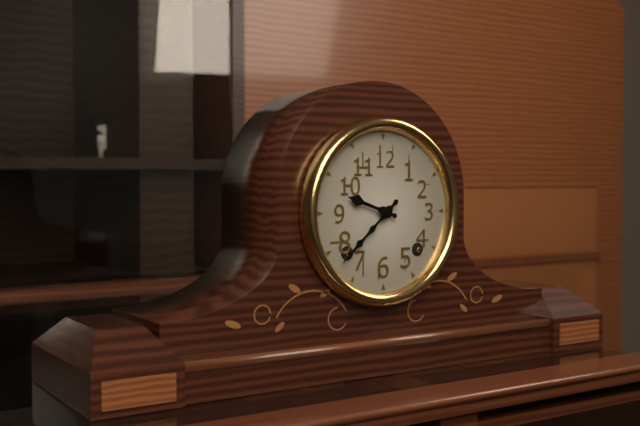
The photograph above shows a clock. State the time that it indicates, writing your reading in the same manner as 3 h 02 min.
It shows 9 h 38 min
